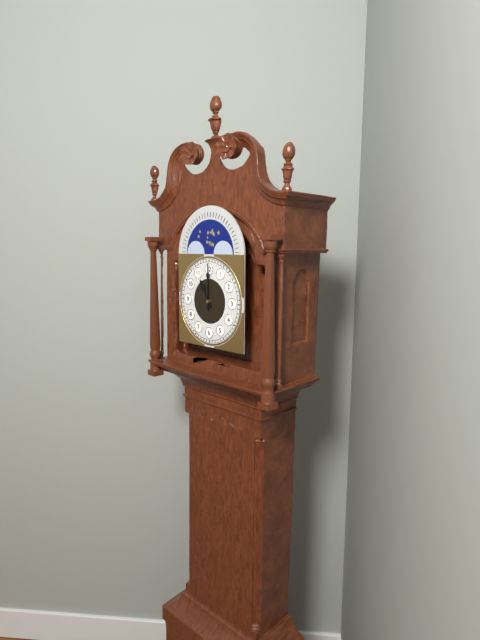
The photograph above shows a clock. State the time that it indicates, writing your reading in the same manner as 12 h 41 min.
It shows 11 h 00 min
